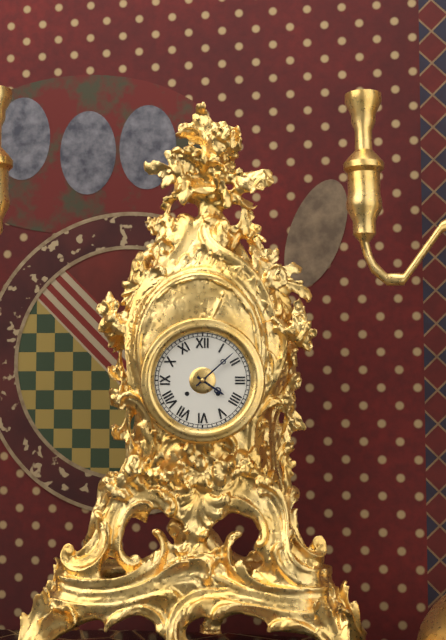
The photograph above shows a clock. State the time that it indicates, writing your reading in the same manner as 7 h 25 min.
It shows 4 h 08 min
